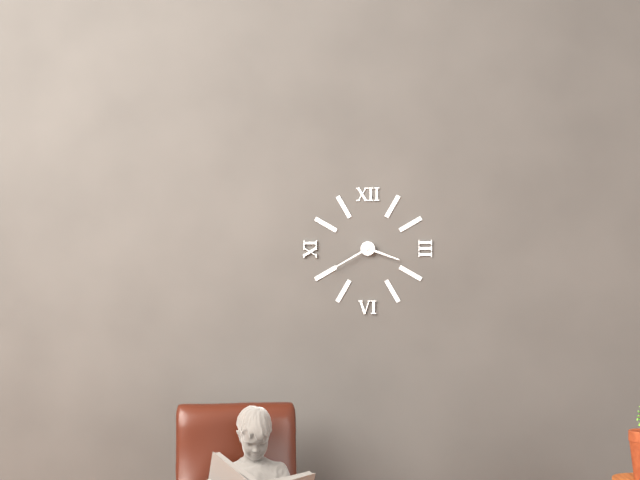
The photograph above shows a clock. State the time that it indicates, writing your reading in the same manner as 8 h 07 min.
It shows 3 h 40 min
